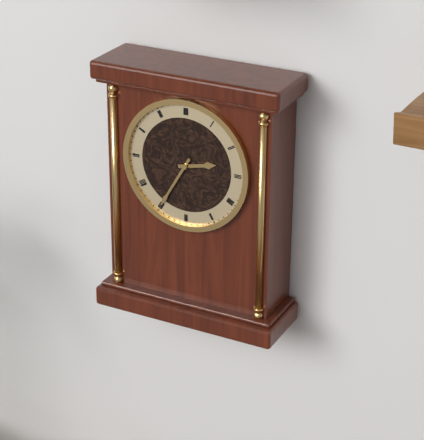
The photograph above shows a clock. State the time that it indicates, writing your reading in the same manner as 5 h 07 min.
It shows 2 h 35 min
